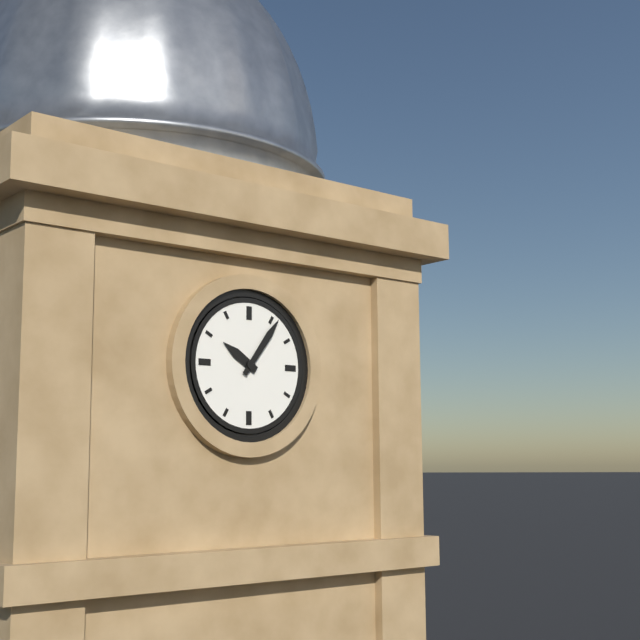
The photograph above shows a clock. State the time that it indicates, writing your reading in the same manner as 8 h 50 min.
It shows 10 h 06 min
